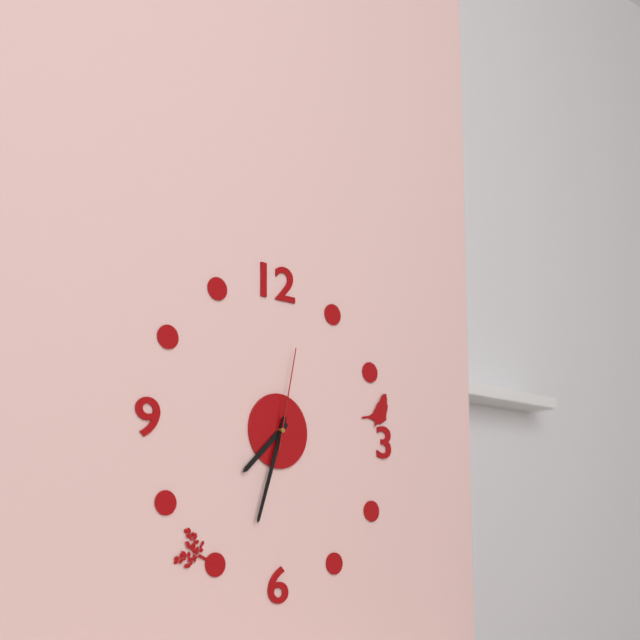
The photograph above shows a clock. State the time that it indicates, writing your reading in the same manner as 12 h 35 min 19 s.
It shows 7 h 33 min 02 s
